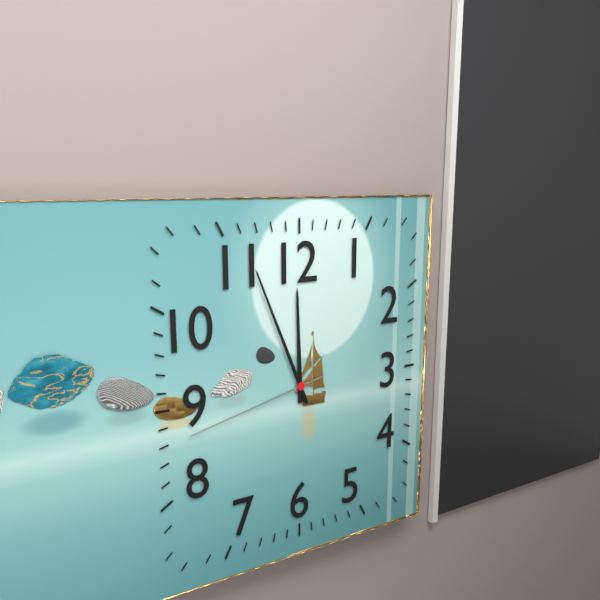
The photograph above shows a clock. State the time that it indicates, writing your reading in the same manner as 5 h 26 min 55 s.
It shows 11 h 56 min 43 s
